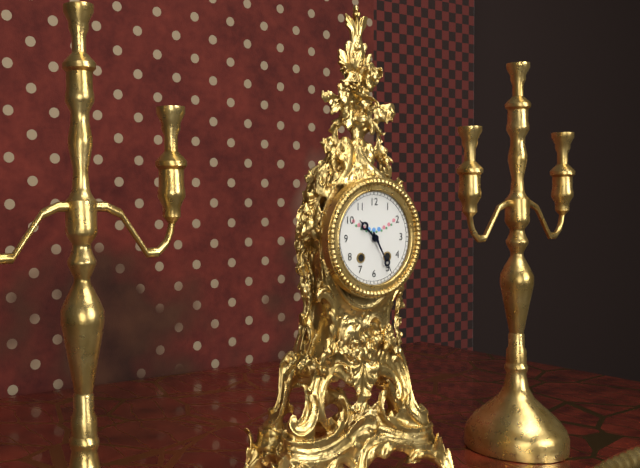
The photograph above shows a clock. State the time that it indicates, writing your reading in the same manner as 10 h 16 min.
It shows 10 h 25 min
